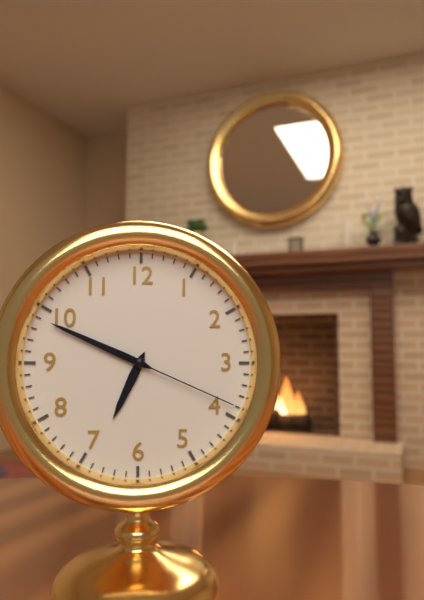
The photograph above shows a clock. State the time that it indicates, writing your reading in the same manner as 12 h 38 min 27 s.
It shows 6 h 49 min 19 s
